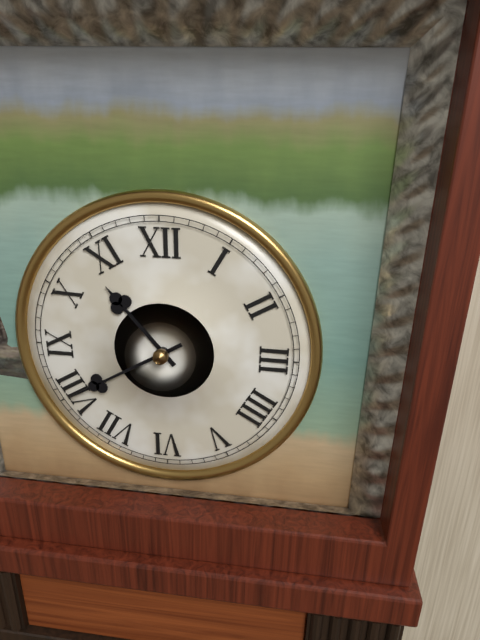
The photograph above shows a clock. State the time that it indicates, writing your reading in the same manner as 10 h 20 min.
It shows 10 h 40 min
